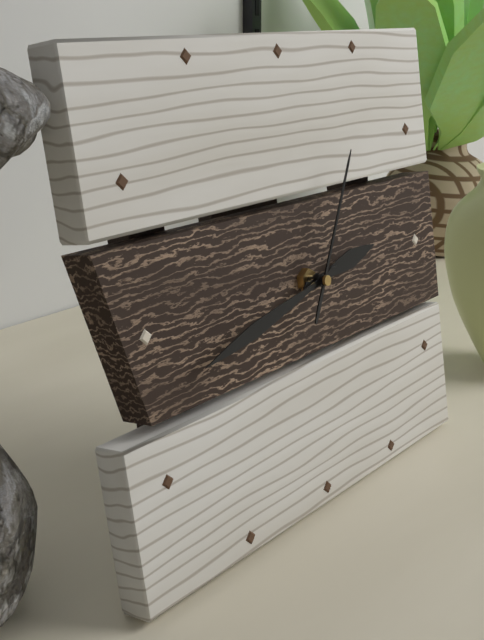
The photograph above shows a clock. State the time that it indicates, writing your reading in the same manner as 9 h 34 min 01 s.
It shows 2 h 43 min 05 s
